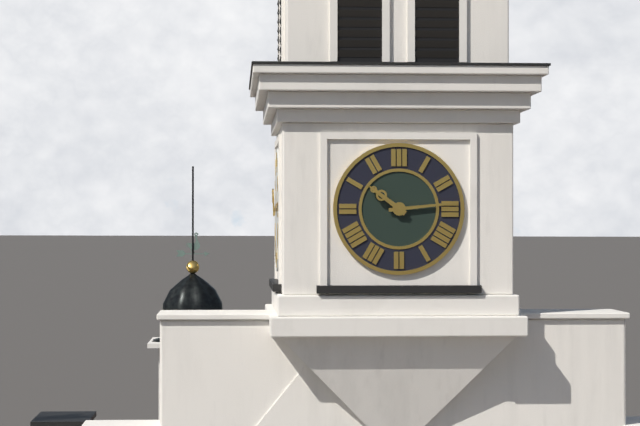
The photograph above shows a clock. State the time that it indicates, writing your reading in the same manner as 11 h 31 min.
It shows 10 h 14 min
